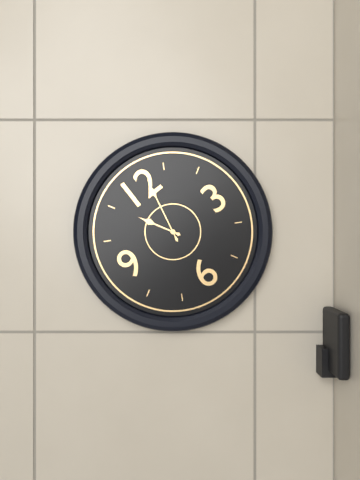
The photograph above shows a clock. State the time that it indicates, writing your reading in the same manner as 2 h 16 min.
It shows 11 h 02 min
